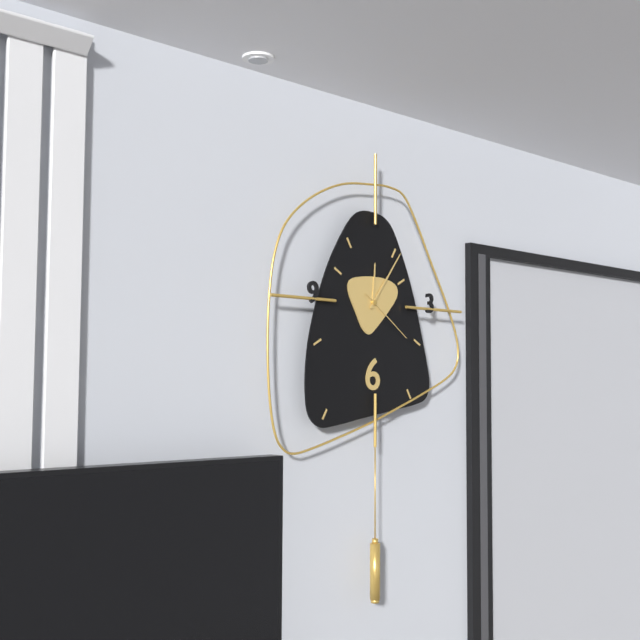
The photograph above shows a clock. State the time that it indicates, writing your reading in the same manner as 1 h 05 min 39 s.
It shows 12 h 06 min 21 s
